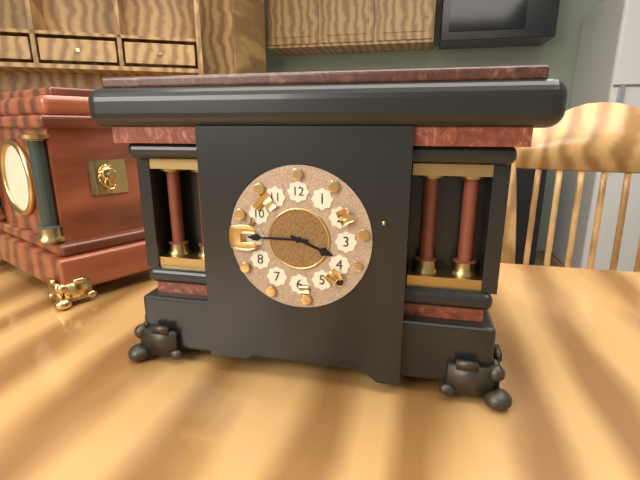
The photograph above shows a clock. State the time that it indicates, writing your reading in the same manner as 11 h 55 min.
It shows 3 h 45 min
